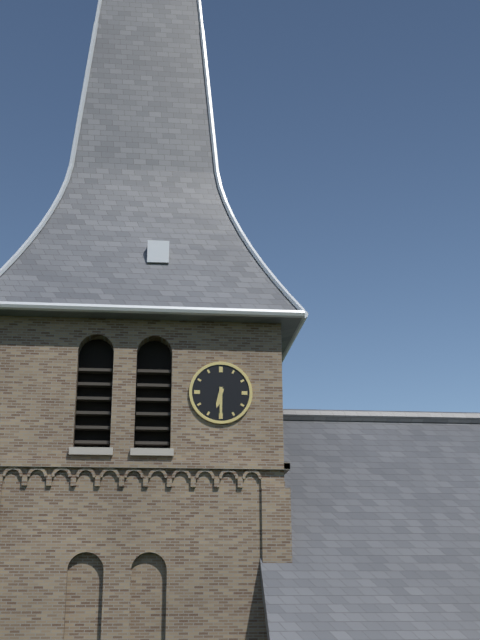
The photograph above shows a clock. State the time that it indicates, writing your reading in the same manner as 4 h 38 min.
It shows 6 h 30 min
